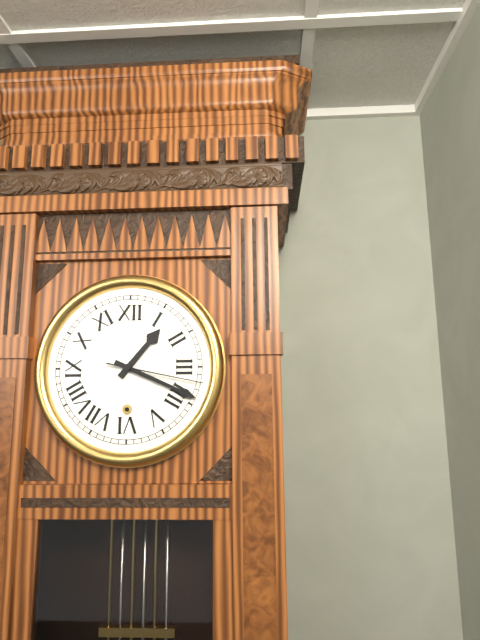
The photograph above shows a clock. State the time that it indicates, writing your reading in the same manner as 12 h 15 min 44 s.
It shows 1 h 19 min 17 s
